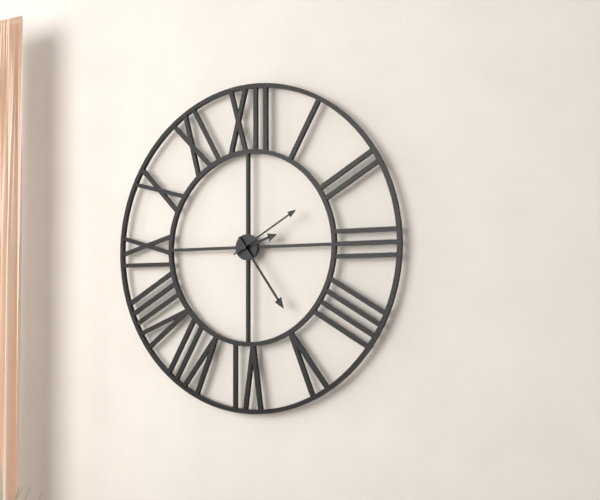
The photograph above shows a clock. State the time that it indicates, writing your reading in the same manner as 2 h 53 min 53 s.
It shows 2 h 24 min 10 s
